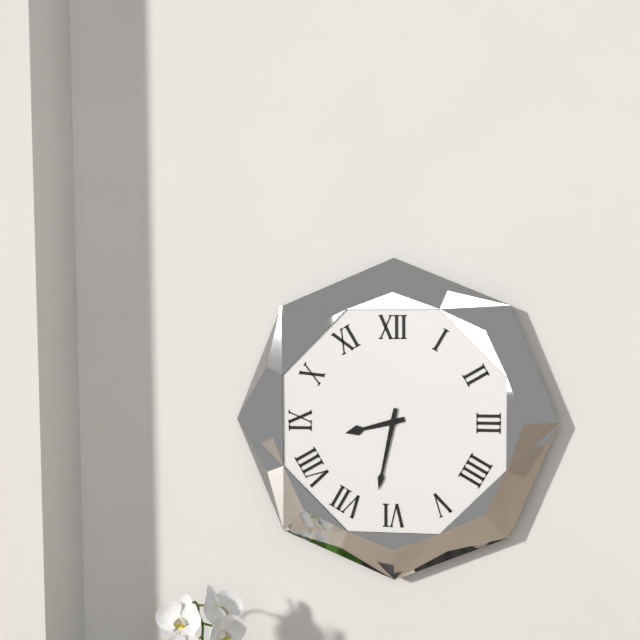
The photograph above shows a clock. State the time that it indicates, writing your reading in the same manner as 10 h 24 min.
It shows 8 h 32 min
